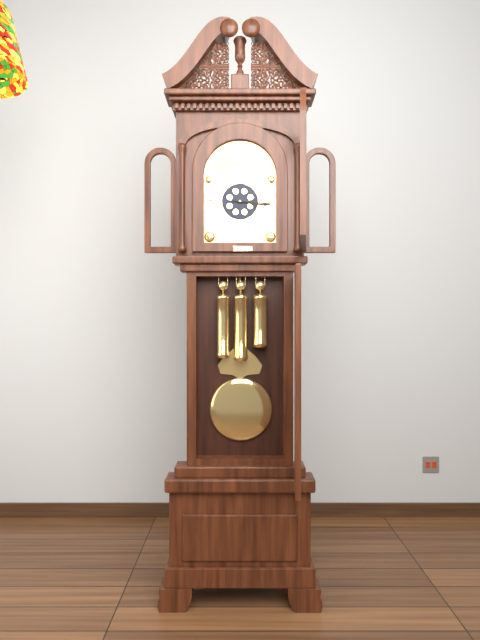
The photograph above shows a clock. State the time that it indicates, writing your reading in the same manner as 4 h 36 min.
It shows 3 h 16 min
